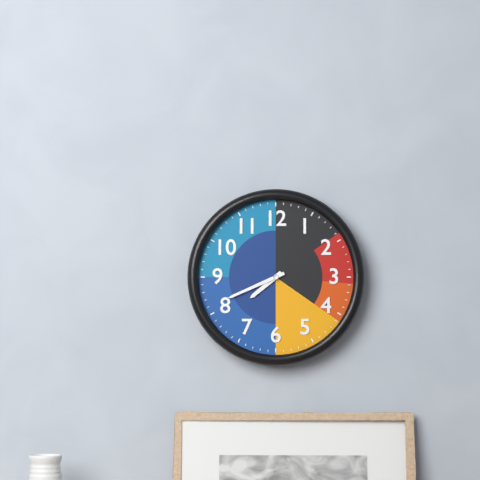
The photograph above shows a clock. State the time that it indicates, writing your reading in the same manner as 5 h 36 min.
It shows 7 h 41 min
